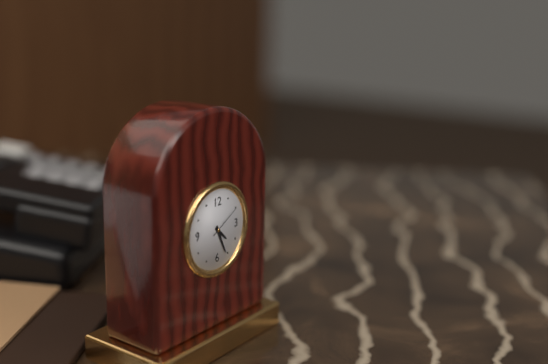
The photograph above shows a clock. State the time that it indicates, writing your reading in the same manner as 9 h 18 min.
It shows 4 h 26 min
